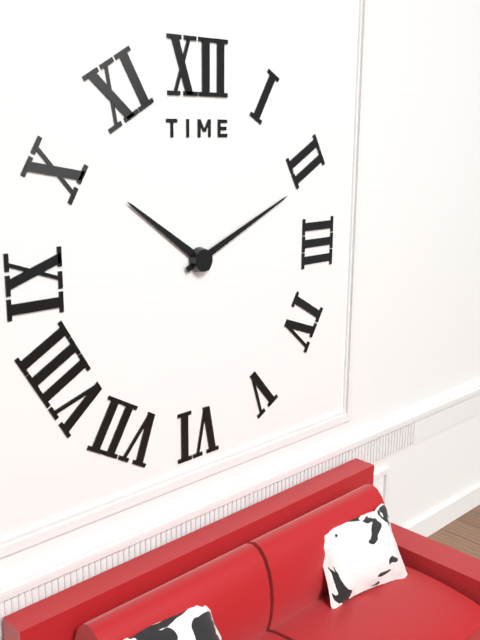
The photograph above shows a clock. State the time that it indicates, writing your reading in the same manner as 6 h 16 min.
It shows 10 h 11 min
